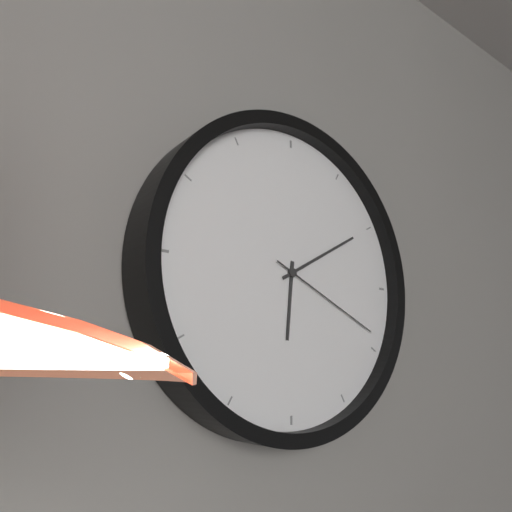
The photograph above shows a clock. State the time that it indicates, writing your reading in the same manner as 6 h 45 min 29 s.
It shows 6 h 10 min 19 s
